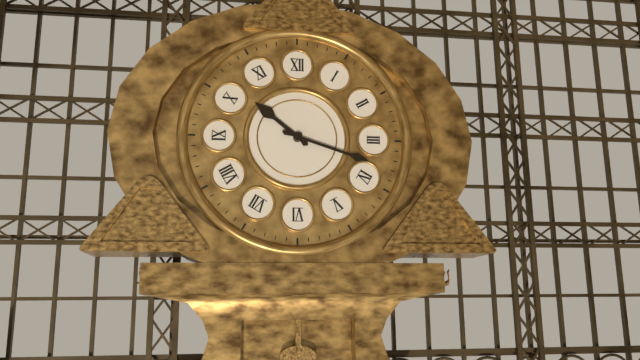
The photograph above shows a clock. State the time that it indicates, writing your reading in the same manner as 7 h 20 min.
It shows 10 h 18 min
